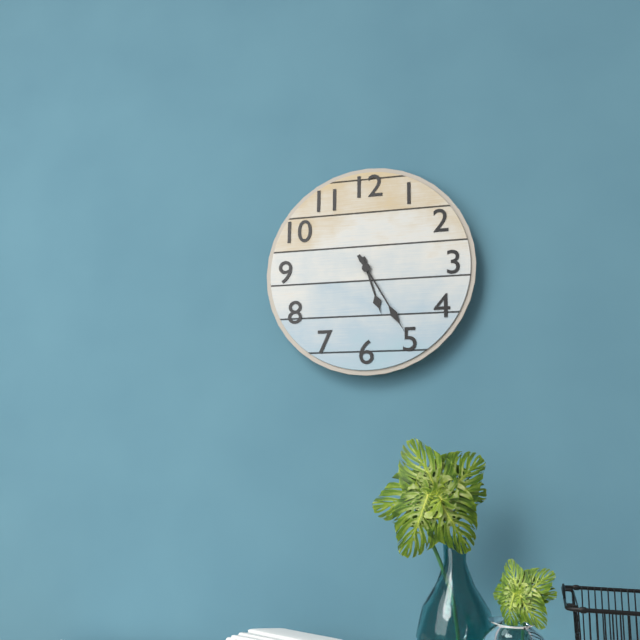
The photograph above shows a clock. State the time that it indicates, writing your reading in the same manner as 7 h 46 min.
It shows 5 h 25 min
